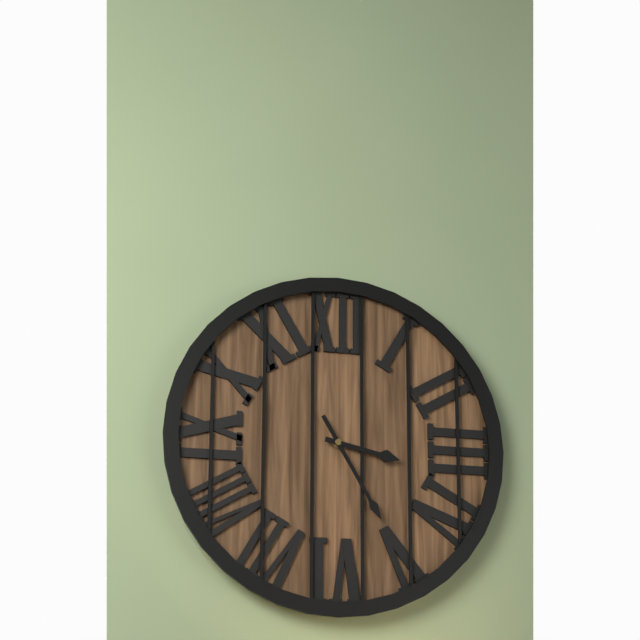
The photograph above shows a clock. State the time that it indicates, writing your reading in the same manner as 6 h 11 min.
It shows 3 h 25 min
